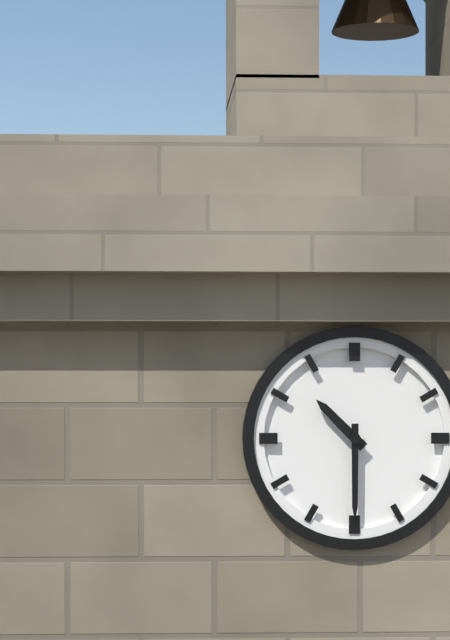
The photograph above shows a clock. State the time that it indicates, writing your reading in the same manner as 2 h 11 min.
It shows 10 h 30 min
